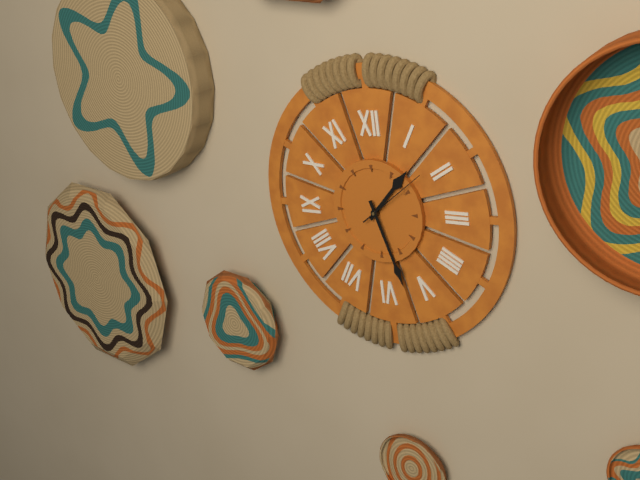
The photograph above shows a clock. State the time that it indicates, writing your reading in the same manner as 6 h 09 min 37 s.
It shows 1 h 27 min 09 s
